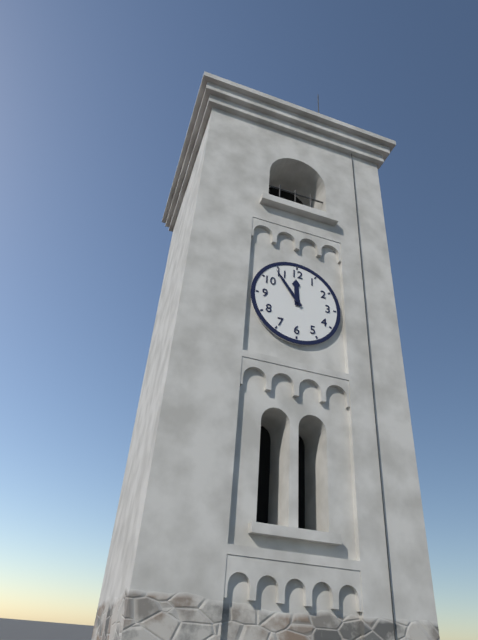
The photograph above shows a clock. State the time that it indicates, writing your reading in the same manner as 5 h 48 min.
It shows 11 h 54 min
